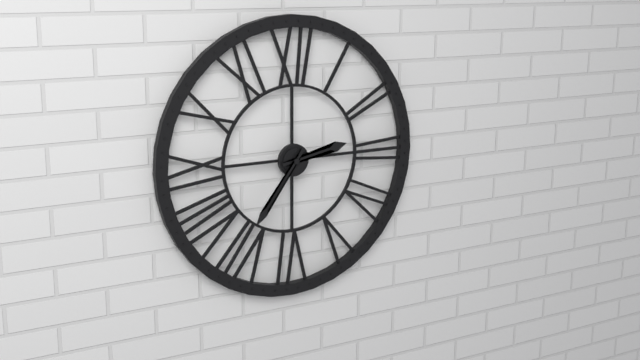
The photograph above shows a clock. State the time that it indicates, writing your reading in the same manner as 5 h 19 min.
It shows 2 h 36 min
